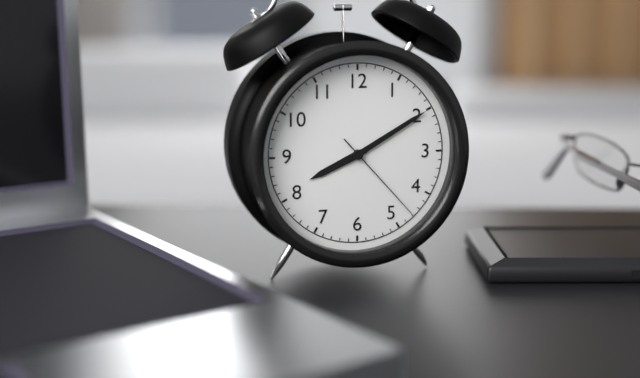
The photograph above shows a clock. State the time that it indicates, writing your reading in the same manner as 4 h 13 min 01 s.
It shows 8 h 10 min 23 s
